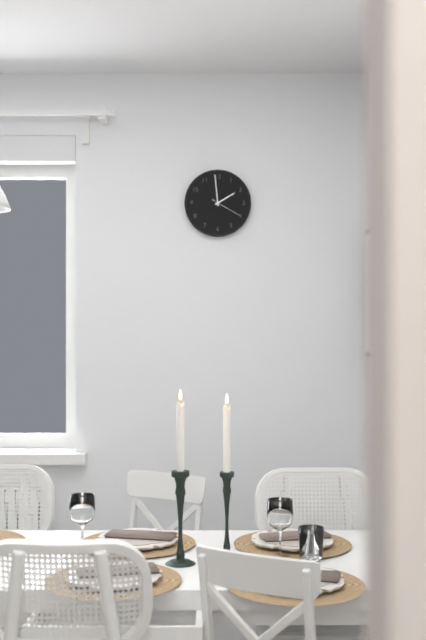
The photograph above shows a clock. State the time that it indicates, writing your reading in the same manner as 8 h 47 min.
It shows 1 h 59 min
